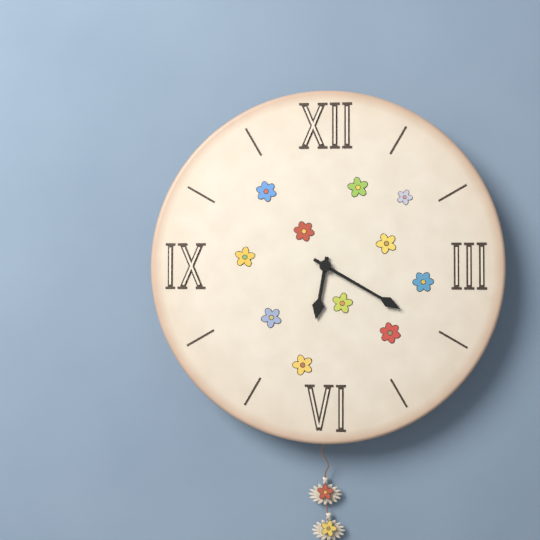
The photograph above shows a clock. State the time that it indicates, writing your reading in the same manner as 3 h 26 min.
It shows 6 h 20 min
